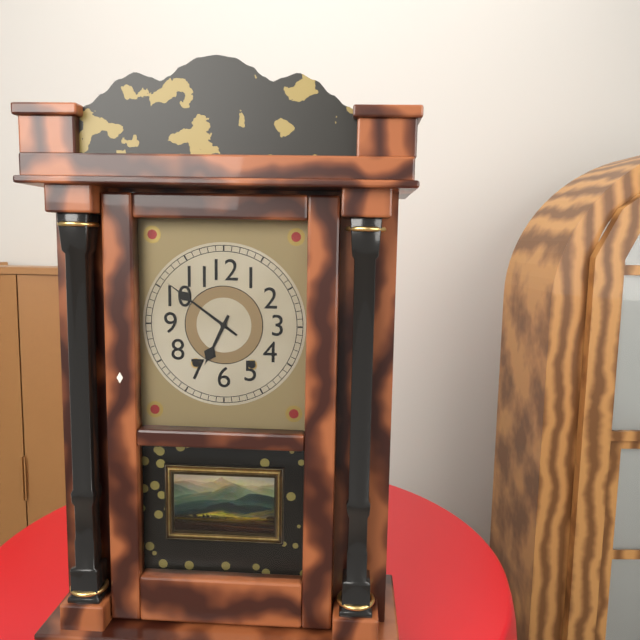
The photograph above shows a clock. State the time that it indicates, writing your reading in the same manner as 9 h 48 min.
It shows 6 h 51 min
